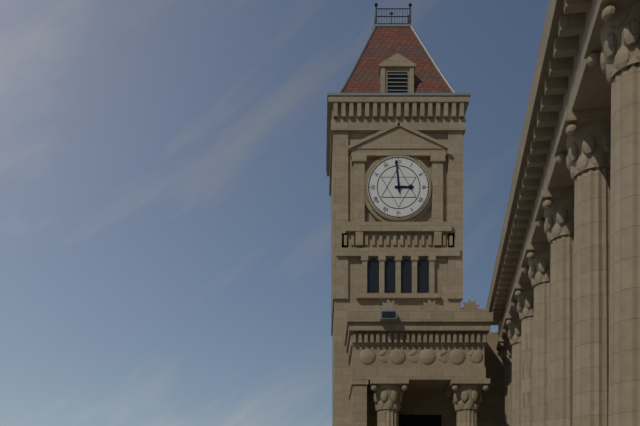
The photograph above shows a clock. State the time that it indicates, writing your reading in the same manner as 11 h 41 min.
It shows 2 h 59 min
